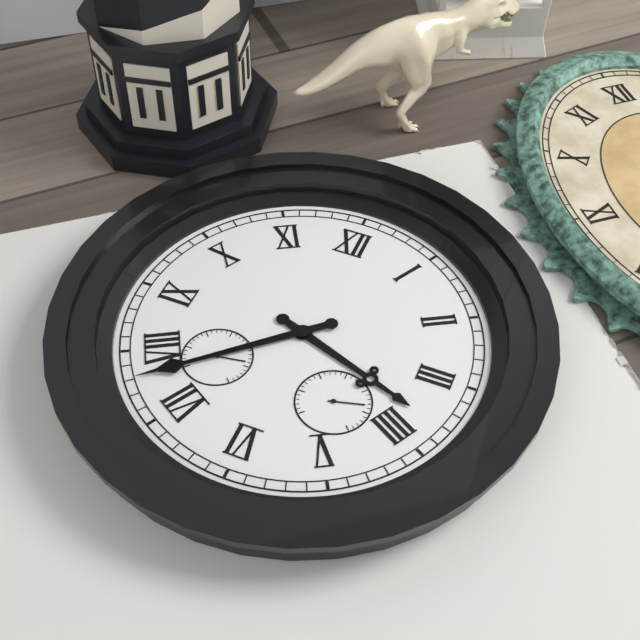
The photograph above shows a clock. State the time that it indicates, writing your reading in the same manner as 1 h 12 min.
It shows 3 h 38 min
